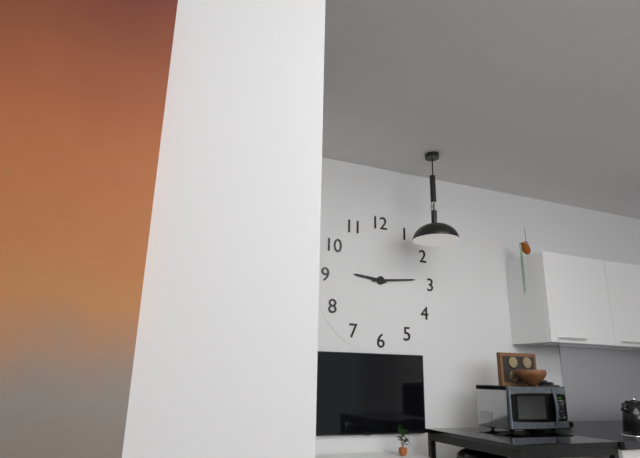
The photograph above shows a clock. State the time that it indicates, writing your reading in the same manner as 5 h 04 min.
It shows 9 h 14 min
